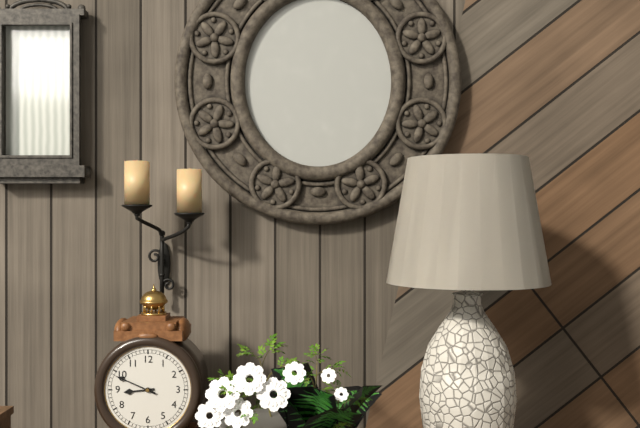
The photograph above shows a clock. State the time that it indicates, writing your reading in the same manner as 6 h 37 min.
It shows 8 h 49 min
